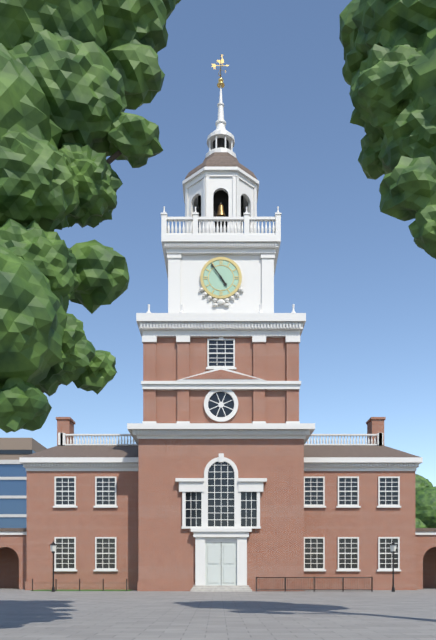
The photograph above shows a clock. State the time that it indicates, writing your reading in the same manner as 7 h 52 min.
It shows 4 h 54 min
